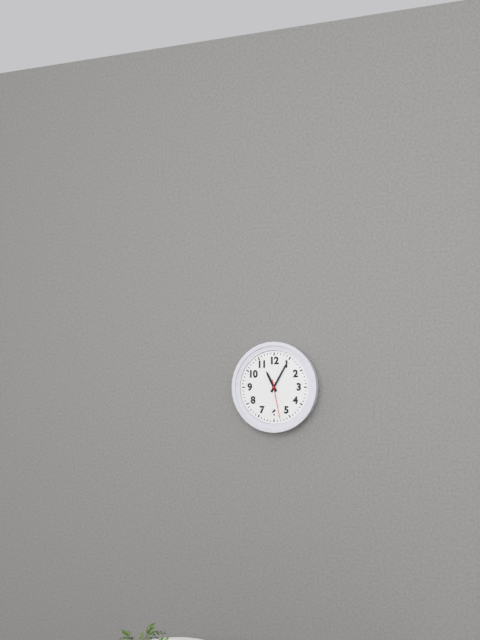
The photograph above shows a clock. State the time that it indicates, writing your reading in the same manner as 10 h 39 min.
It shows 11 h 05 min
